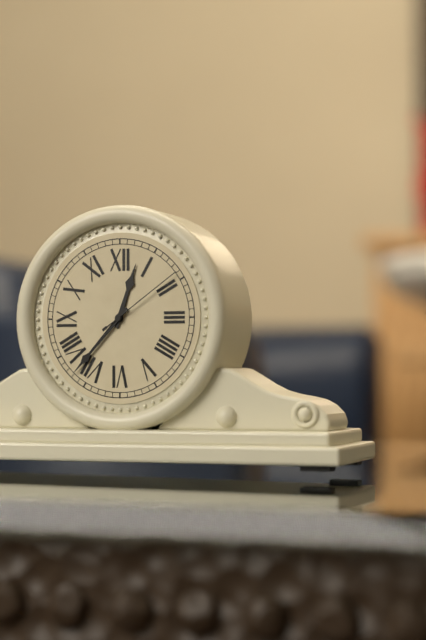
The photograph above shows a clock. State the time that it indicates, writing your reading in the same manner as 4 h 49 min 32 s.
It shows 12 h 37 min 09 s
